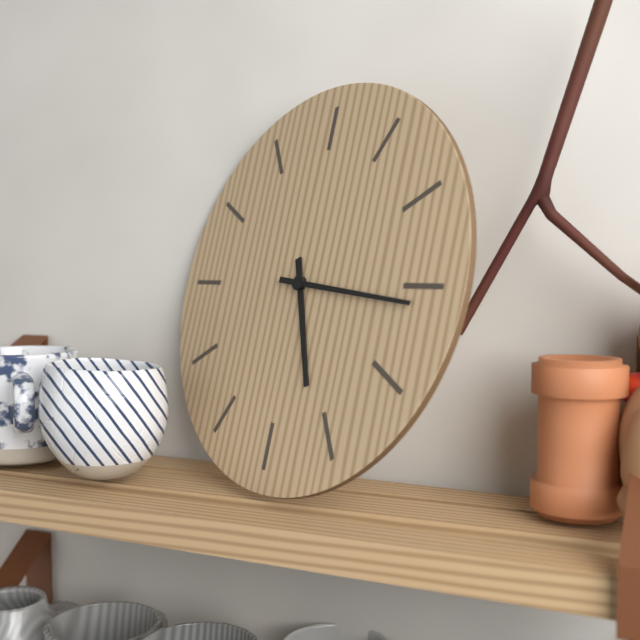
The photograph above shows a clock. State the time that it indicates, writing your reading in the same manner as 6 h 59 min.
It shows 5 h 16 min
